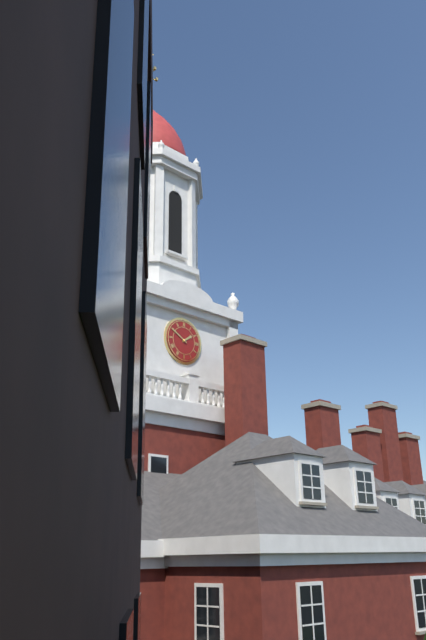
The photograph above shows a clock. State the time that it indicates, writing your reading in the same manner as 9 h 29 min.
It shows 1 h 50 min
